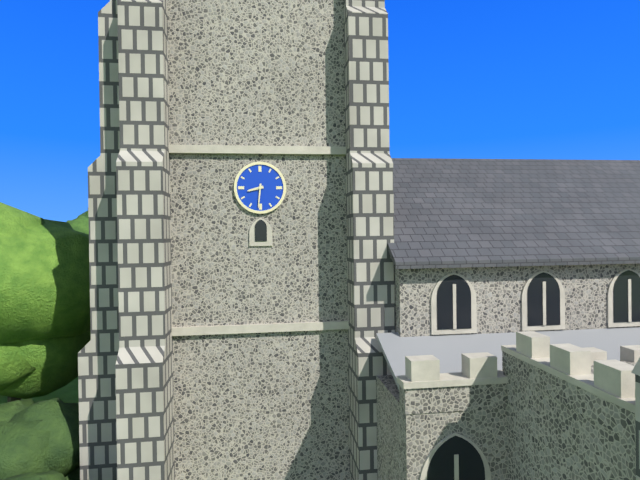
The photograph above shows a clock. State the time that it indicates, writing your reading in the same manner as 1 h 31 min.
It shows 8 h 31 min
